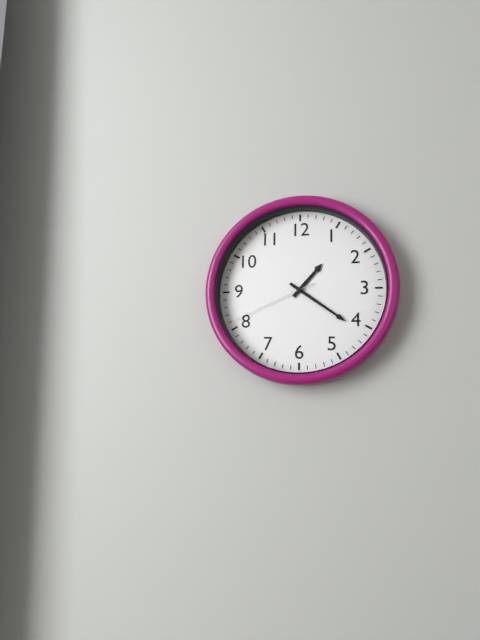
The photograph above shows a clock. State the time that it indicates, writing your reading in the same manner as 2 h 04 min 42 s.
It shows 1 h 21 min 41 s
